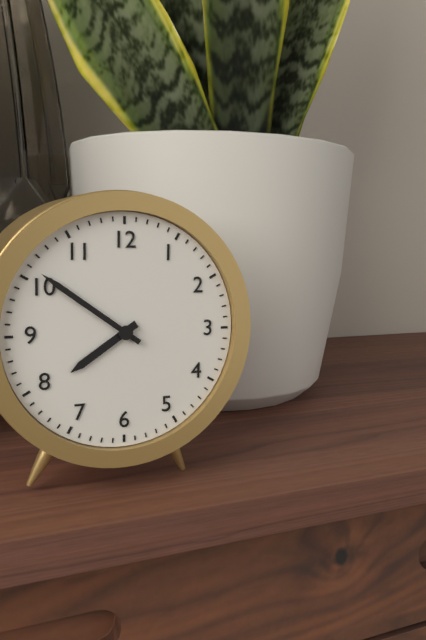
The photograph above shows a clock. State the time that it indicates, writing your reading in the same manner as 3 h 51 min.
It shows 7 h 51 min
